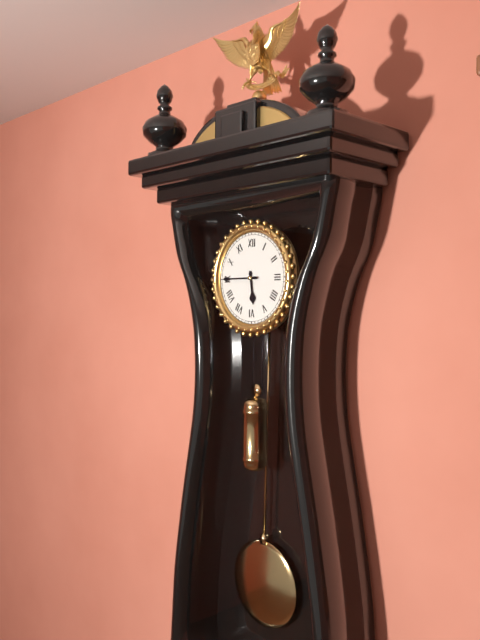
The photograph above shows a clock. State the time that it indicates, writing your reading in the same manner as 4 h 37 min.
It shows 5 h 45 min
